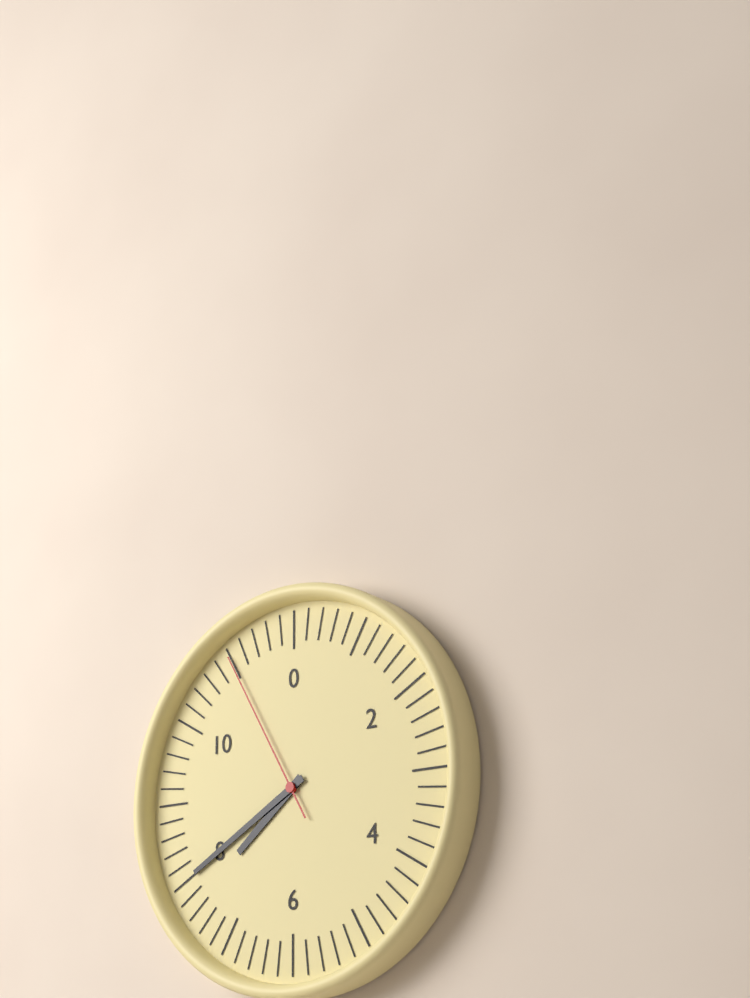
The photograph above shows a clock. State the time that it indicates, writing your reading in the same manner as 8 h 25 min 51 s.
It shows 7 h 40 min 55 s
